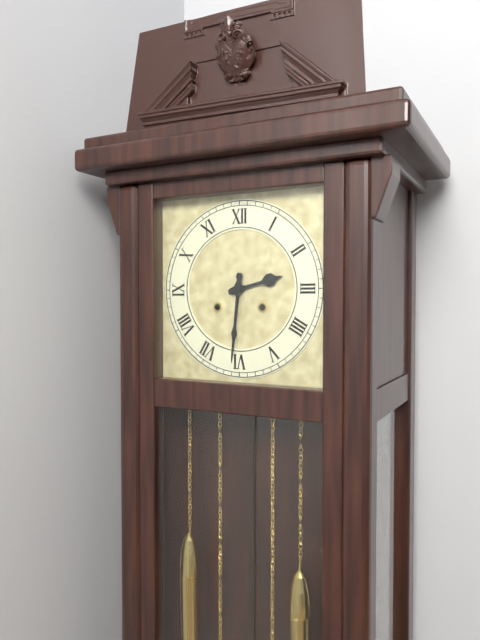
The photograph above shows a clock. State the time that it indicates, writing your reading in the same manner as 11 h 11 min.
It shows 2 h 31 min
